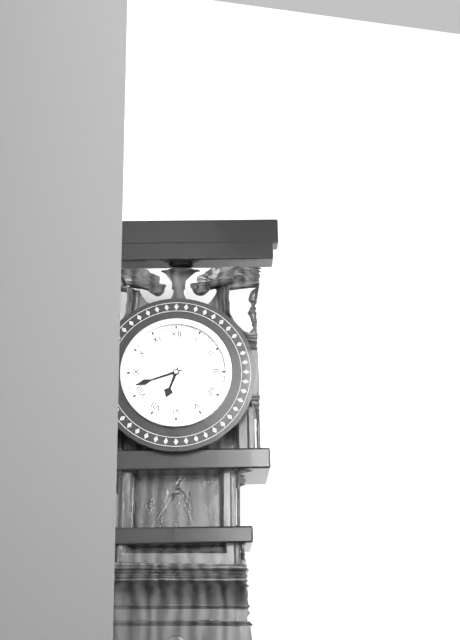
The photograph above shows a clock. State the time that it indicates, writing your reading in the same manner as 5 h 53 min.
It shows 6 h 42 min
